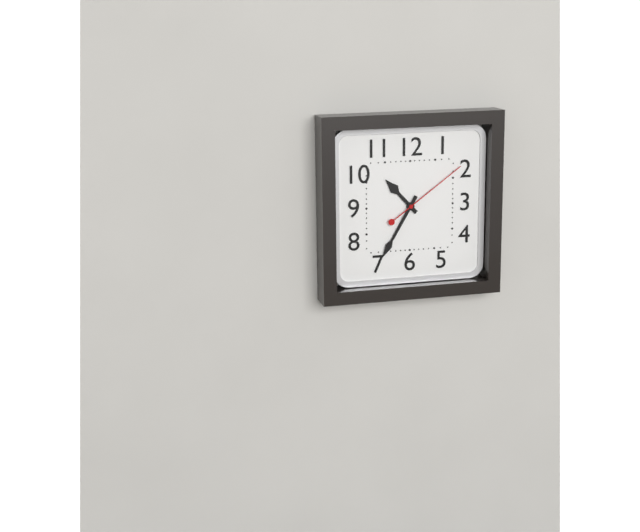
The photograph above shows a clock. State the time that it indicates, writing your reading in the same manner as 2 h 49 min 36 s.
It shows 10 h 35 min 09 s
